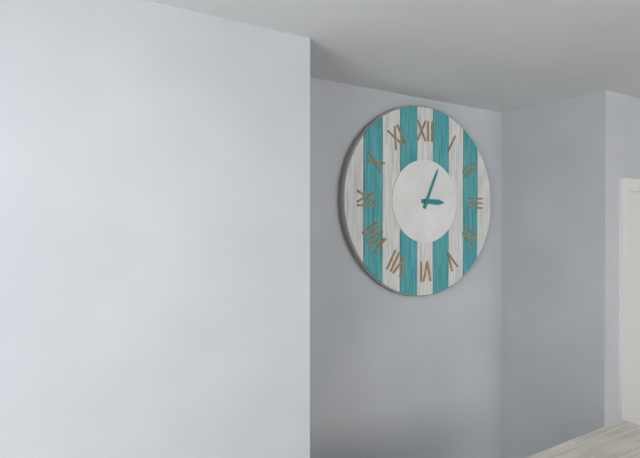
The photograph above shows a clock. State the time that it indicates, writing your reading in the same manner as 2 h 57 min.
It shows 3 h 04 min
